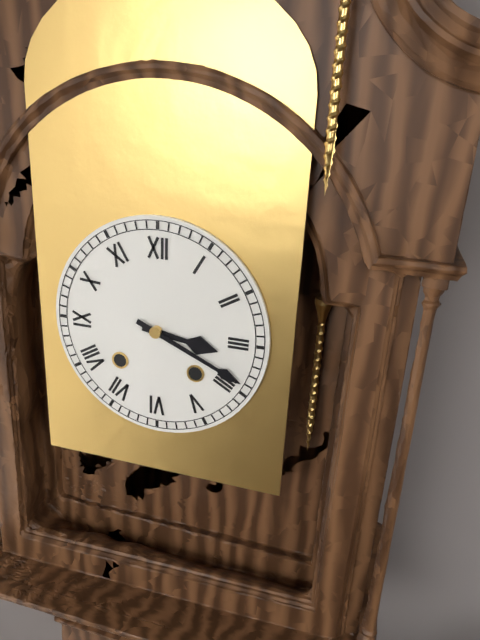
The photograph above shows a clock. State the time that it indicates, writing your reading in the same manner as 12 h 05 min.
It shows 3 h 19 min
